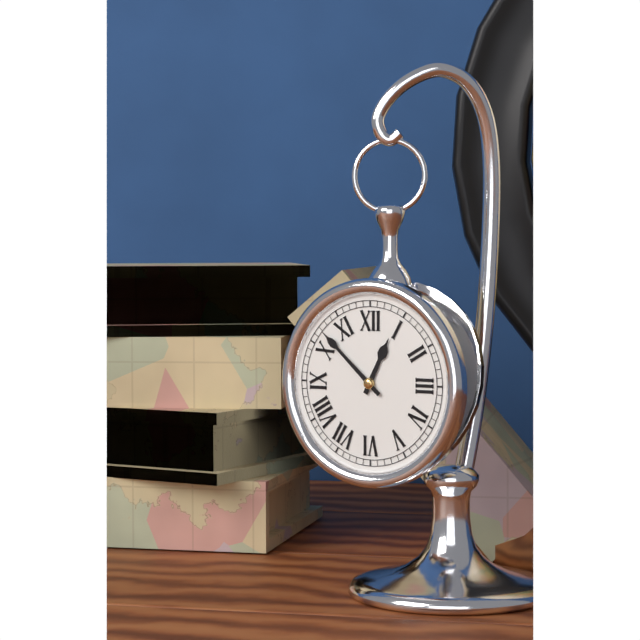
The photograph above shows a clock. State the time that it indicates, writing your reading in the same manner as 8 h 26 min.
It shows 12 h 52 min
